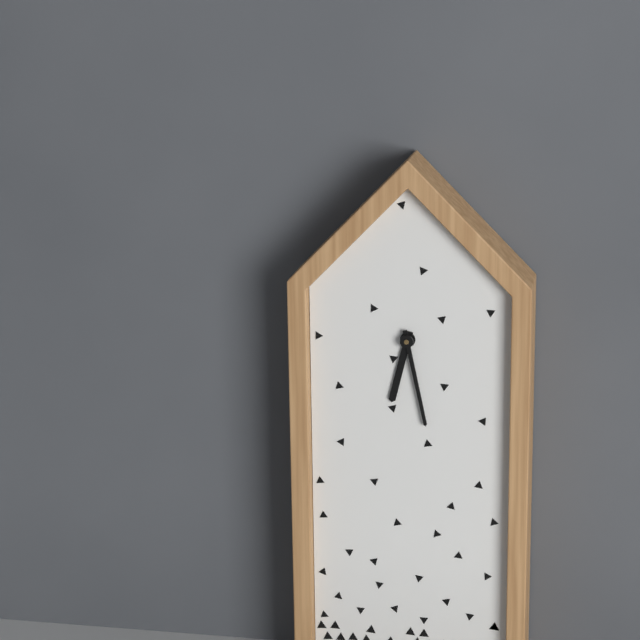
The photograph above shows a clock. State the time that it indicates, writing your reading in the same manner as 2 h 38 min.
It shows 6 h 28 min
